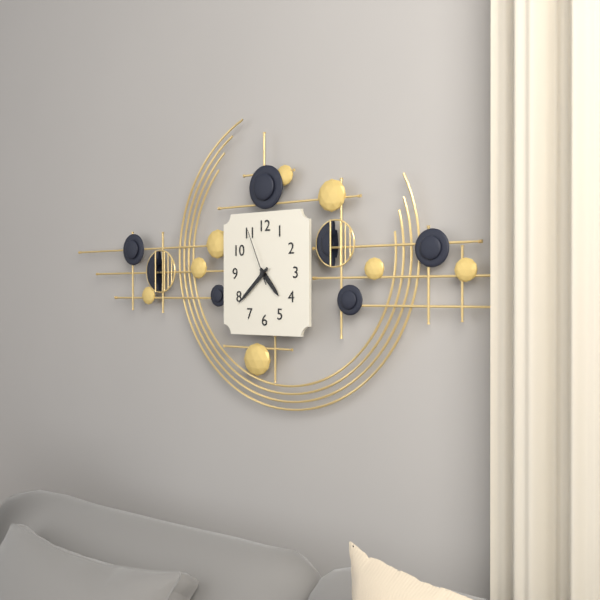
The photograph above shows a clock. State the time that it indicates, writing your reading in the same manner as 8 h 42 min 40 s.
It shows 4 h 38 min 56 s
